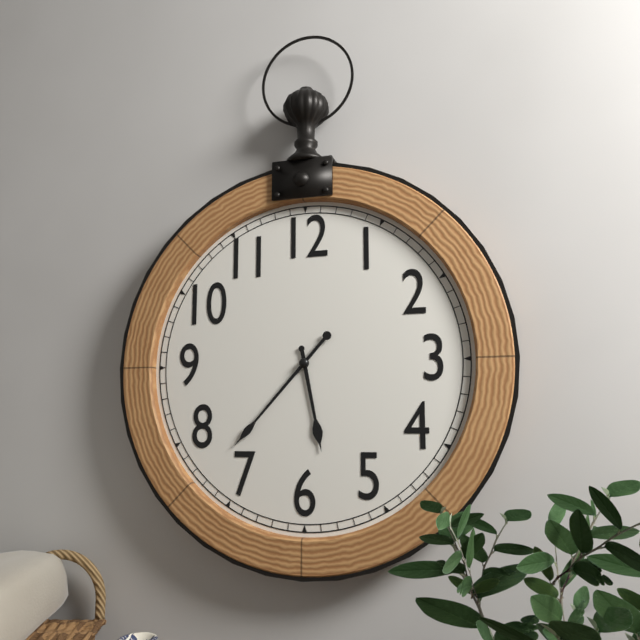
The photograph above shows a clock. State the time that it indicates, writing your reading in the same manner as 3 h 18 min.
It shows 5 h 37 min
